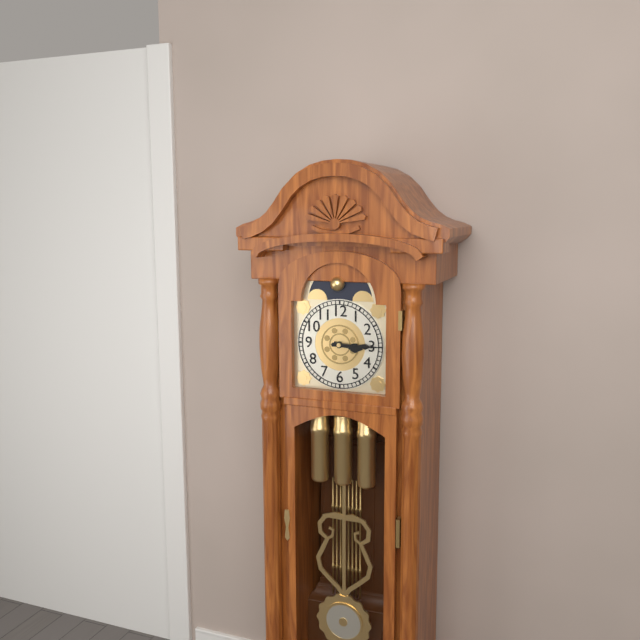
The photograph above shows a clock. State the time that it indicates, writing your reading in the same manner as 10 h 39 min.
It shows 3 h 15 min
